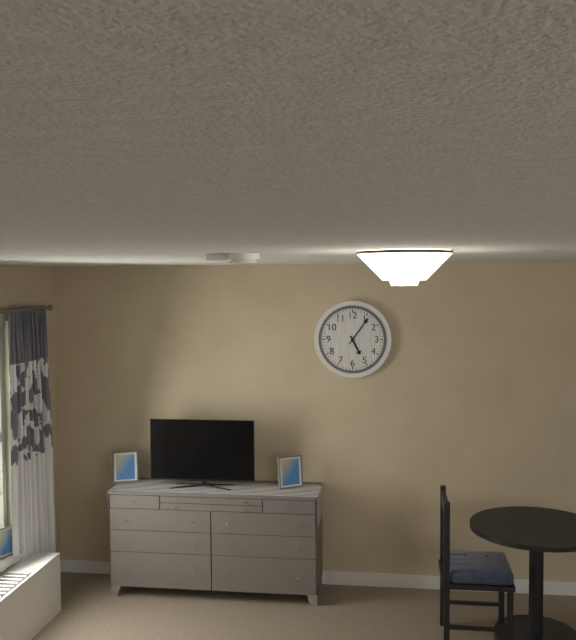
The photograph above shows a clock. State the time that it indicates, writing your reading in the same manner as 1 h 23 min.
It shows 5 h 06 min
